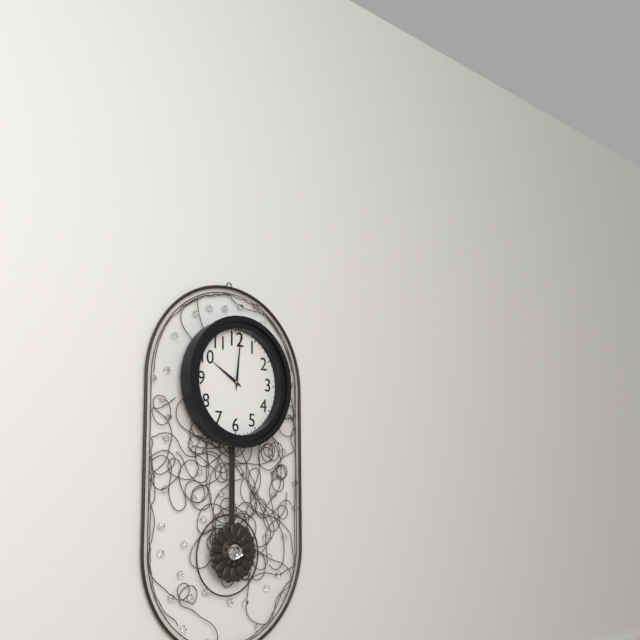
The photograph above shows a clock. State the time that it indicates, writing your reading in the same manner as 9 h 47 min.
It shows 10 h 01 min
